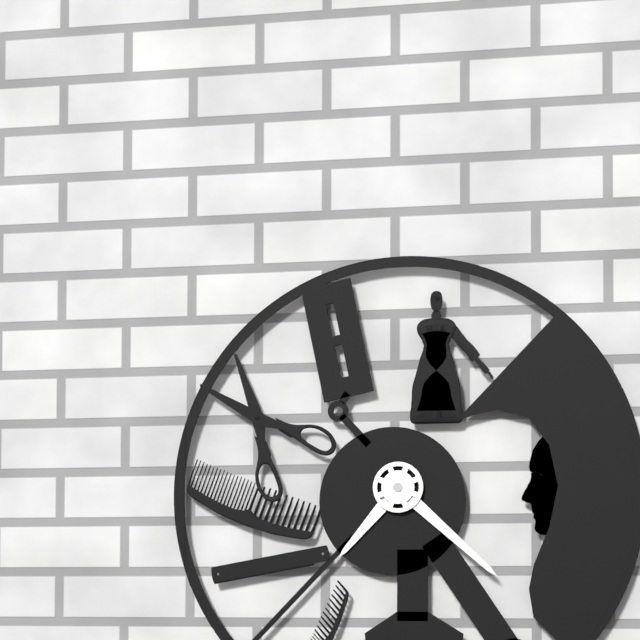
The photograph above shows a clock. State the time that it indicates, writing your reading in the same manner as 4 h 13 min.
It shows 7 h 22 min
